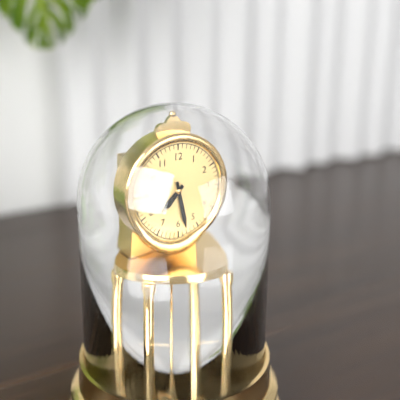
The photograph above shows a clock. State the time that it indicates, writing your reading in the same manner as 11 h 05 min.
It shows 7 h 28 min
